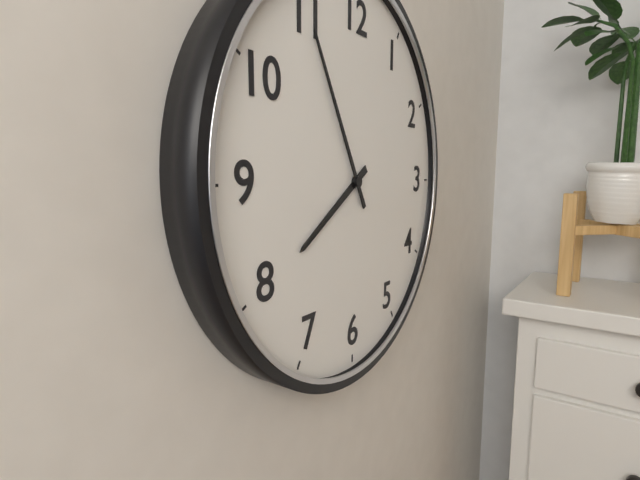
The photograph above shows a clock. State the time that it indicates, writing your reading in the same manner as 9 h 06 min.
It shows 7 h 55 min
